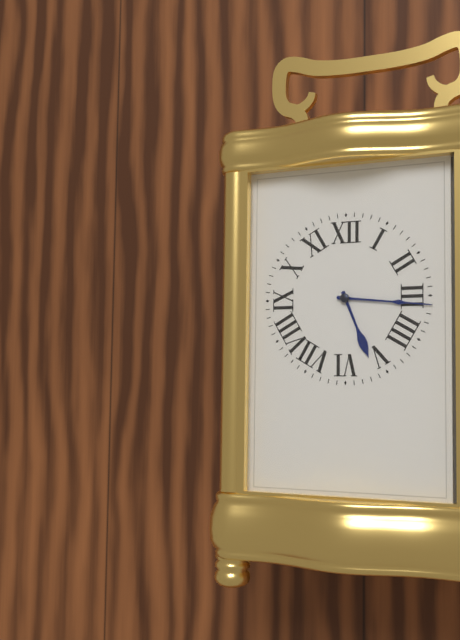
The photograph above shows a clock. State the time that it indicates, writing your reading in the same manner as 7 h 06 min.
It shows 5 h 16 min
